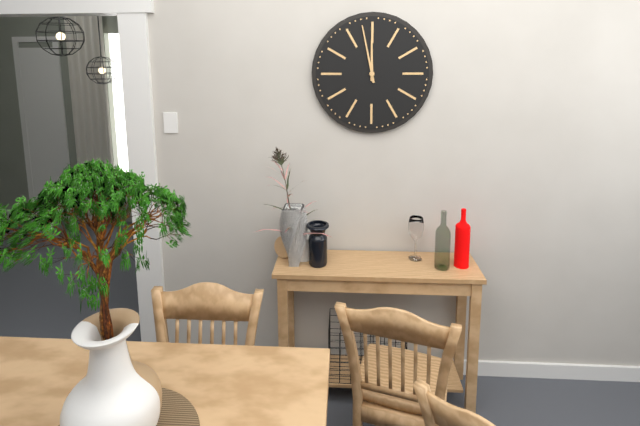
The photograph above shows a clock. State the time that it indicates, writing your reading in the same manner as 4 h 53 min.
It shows 11 h 58 min
